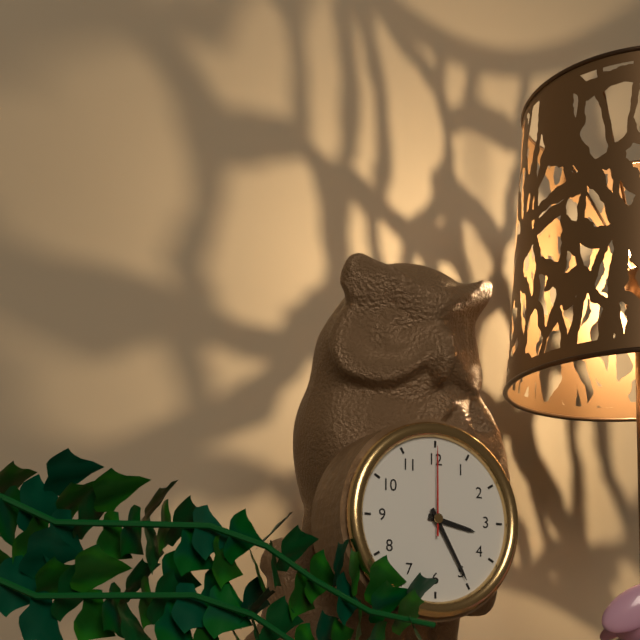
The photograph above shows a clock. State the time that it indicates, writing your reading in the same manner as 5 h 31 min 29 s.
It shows 3 h 25 min 00 s
